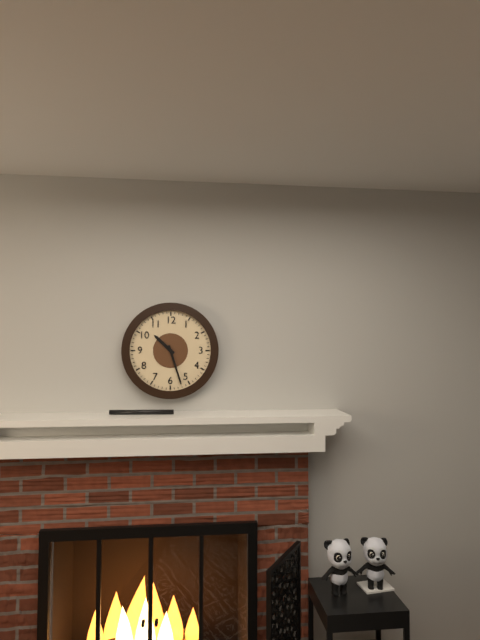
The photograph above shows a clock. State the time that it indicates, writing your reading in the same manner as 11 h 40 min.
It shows 10 h 27 min
